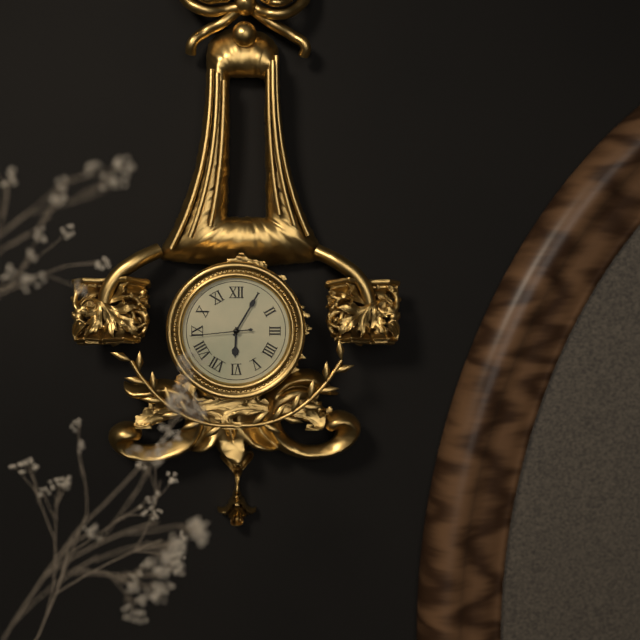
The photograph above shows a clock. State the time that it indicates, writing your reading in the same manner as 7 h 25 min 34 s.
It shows 6 h 05 min 44 s
